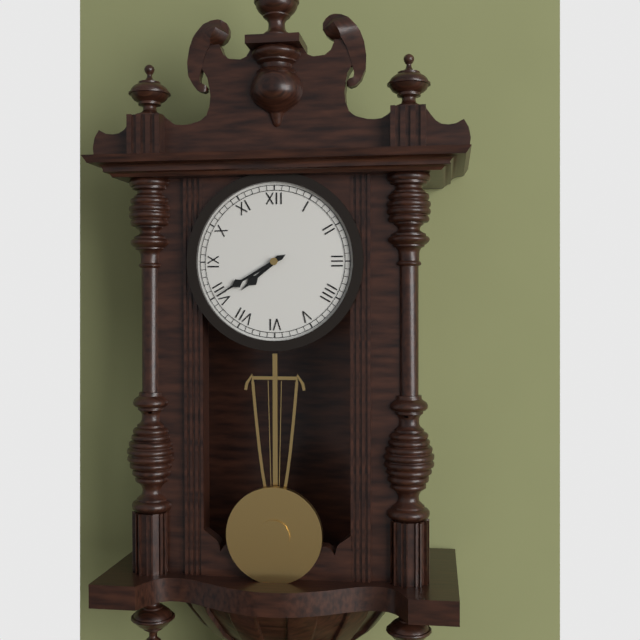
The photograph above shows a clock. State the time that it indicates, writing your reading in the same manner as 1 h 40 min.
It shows 7 h 40 min
